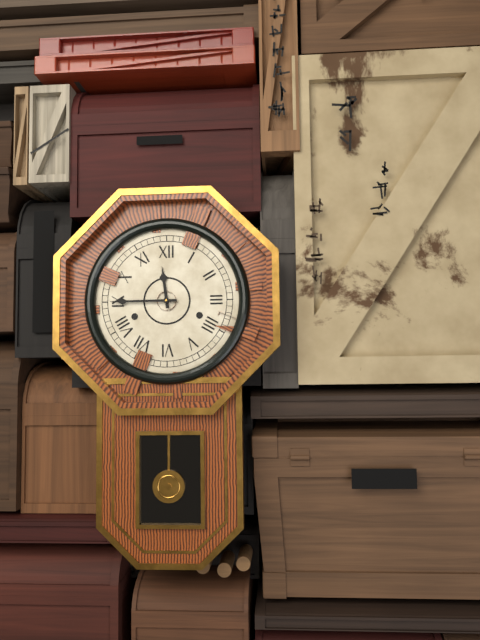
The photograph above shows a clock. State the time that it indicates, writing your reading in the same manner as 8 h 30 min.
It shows 11 h 45 min
